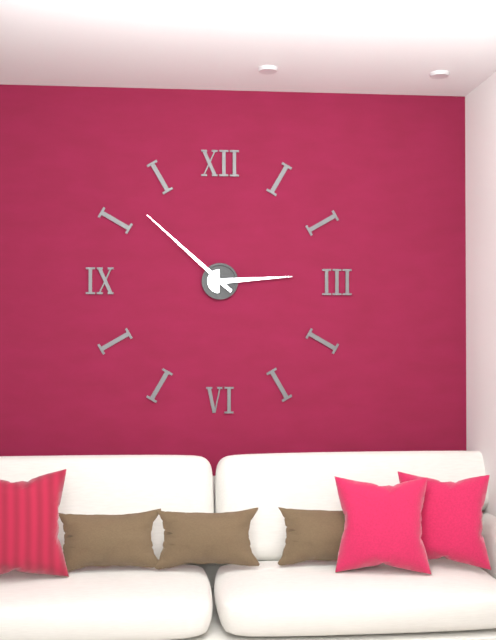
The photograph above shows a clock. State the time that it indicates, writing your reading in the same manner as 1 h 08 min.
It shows 2 h 52 min
